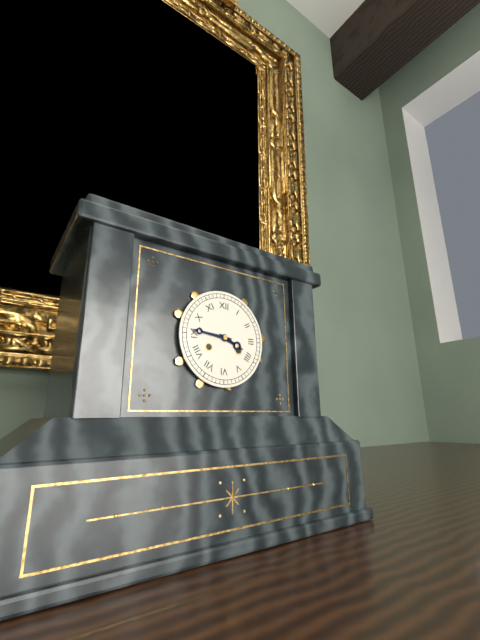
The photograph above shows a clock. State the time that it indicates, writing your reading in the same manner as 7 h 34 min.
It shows 3 h 46 min
